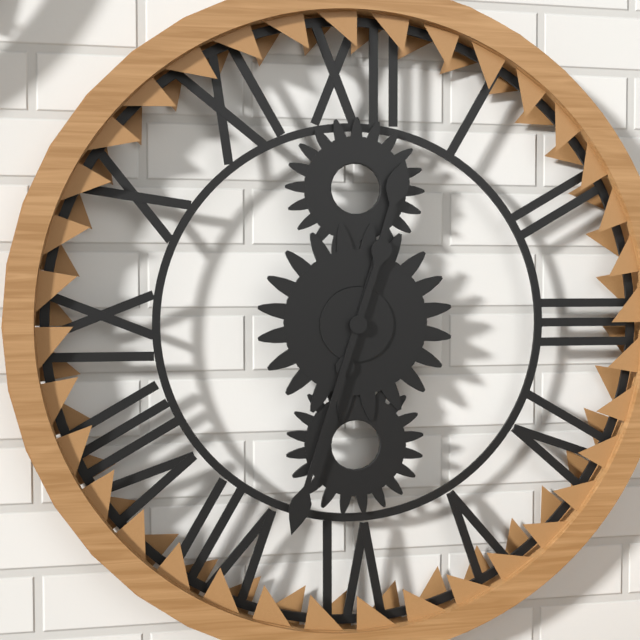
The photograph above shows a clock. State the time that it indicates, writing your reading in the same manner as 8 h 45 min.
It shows 12 h 33 min
